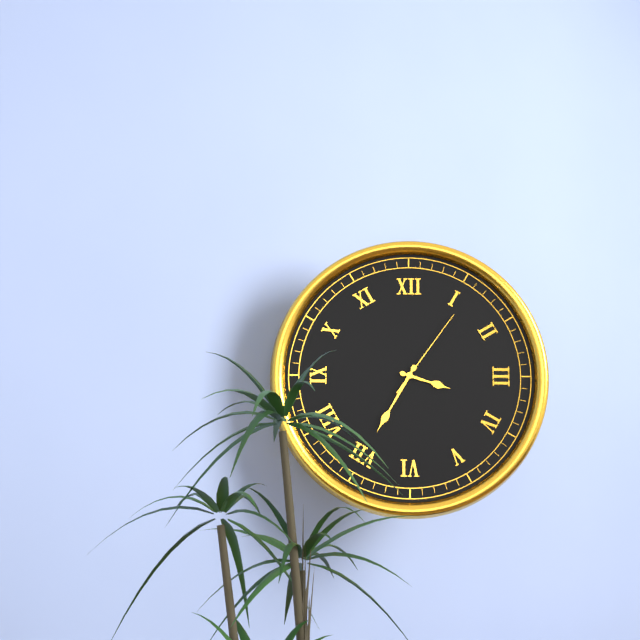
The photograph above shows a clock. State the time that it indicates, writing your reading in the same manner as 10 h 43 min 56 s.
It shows 3 h 35 min 06 s
